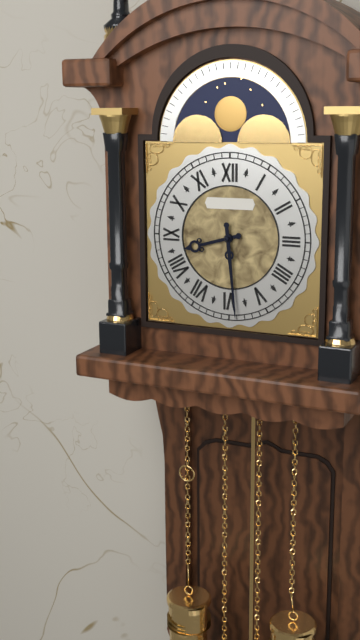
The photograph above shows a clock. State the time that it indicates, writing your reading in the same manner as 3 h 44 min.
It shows 8 h 29 min
